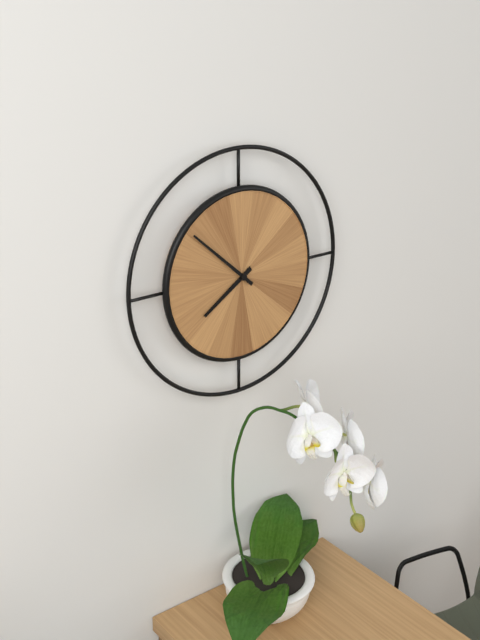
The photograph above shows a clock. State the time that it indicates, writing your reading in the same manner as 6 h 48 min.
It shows 7 h 52 min
